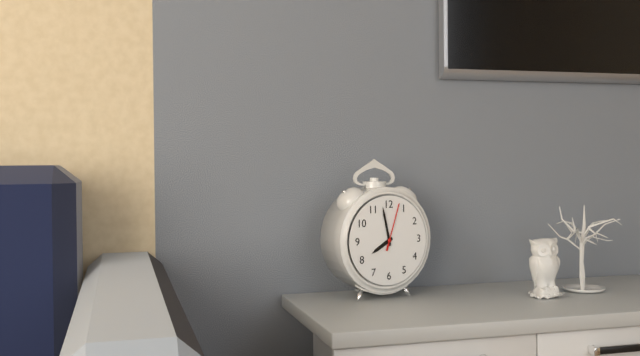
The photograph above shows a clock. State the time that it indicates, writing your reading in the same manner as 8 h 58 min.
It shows 7 h 58 min
